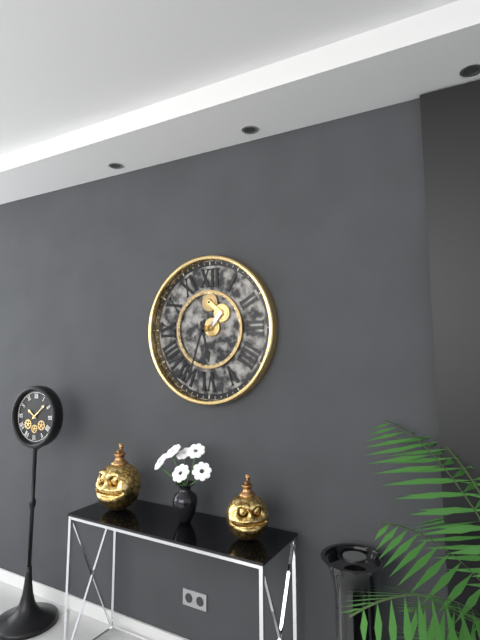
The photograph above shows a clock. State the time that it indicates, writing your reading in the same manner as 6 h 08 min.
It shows 5 h 33 min
